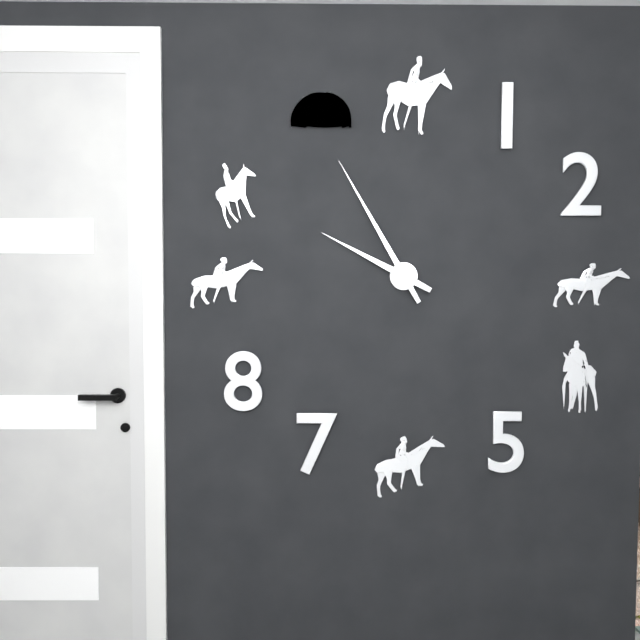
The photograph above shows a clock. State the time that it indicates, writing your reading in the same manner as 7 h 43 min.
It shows 9 h 55 min
